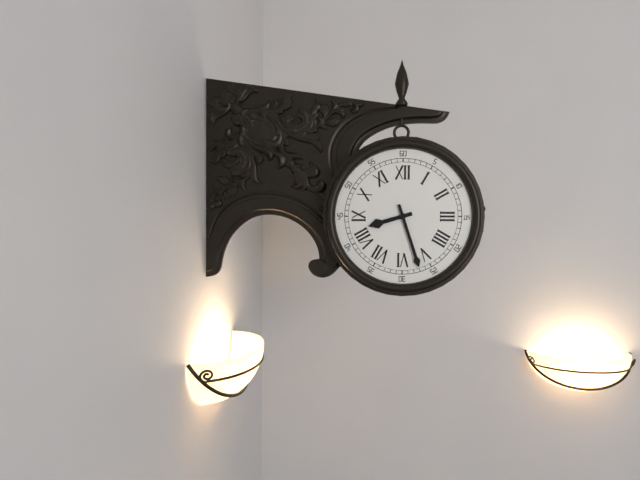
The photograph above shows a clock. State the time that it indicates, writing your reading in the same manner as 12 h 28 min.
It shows 8 h 27 min
